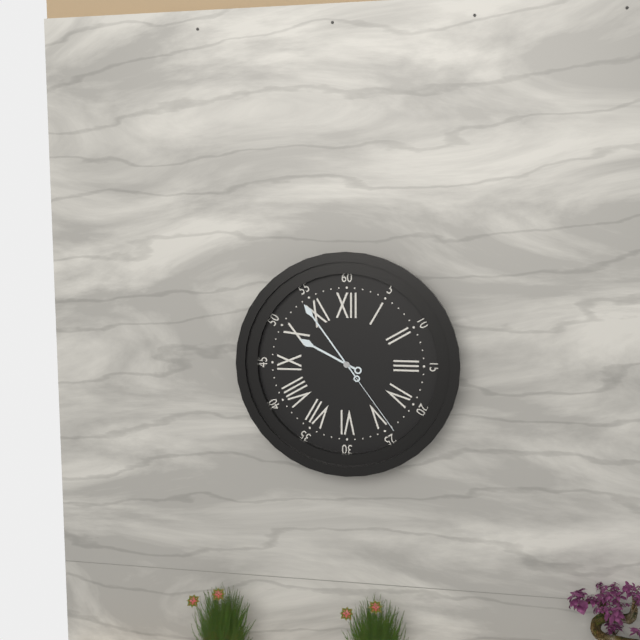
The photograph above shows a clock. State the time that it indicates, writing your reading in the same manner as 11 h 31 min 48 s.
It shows 9 h 54 min 24 s
